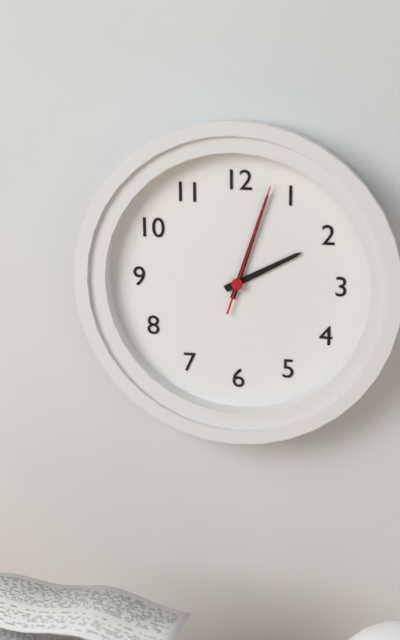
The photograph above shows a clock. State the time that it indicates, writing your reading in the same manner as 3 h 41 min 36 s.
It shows 2 h 03 min 03 s
